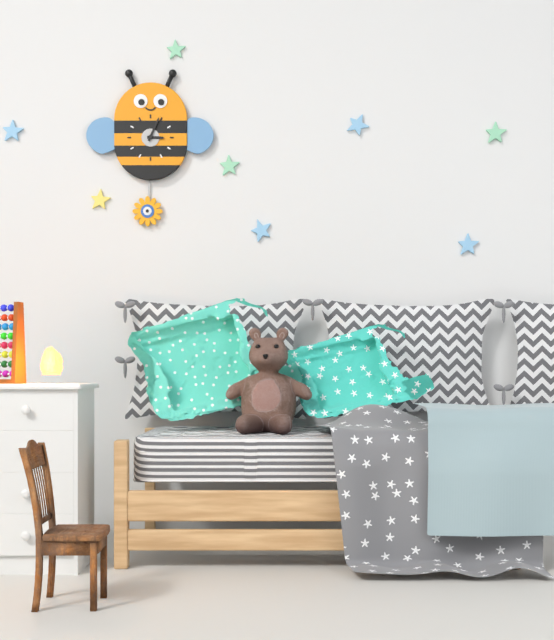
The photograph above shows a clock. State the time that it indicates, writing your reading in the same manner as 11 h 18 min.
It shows 3 h 04 min
